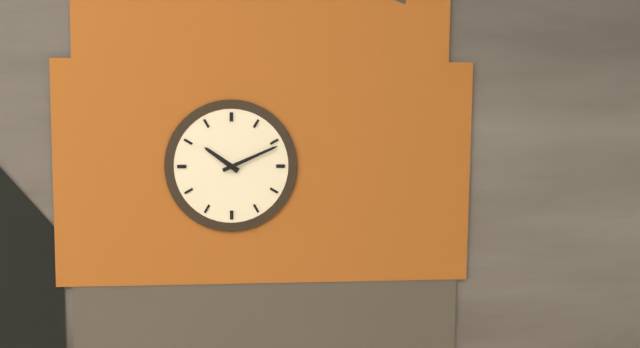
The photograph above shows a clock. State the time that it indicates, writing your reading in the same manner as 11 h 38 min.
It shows 10 h 11 min
